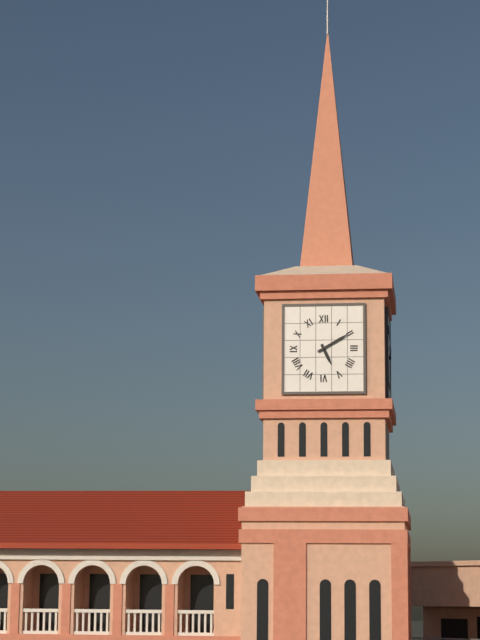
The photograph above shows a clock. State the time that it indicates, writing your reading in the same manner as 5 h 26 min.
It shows 5 h 10 min
